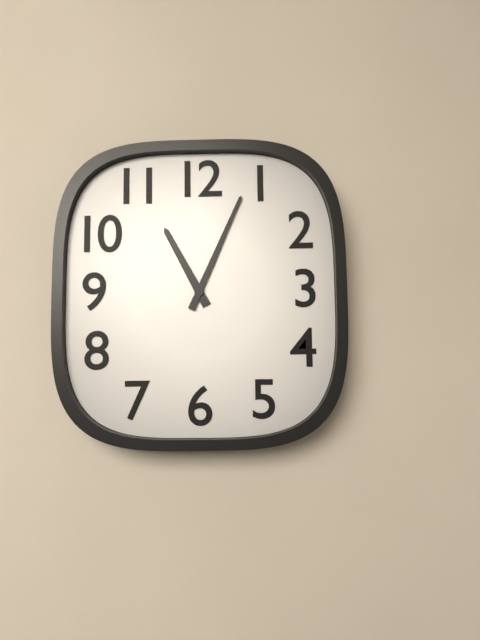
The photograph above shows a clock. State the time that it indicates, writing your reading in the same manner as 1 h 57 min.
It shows 11 h 04 min
